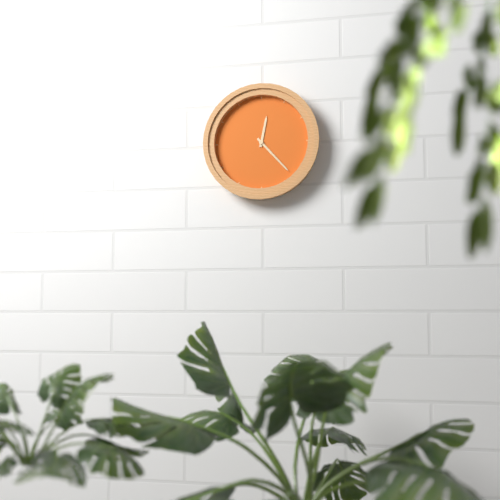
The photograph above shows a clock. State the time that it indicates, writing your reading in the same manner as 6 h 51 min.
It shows 12 h 23 min
